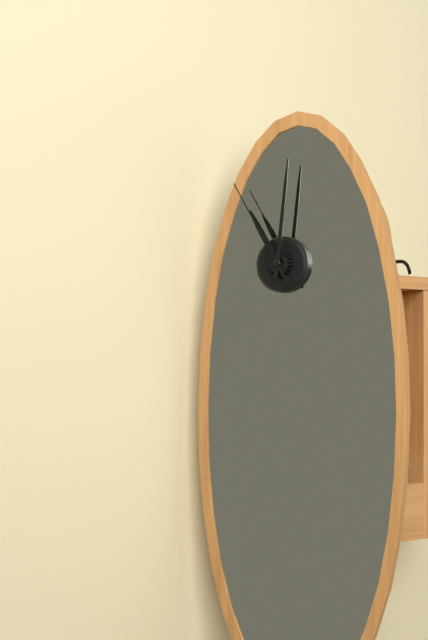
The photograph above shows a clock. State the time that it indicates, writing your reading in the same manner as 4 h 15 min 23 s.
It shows 11 h 01 min 55 s
